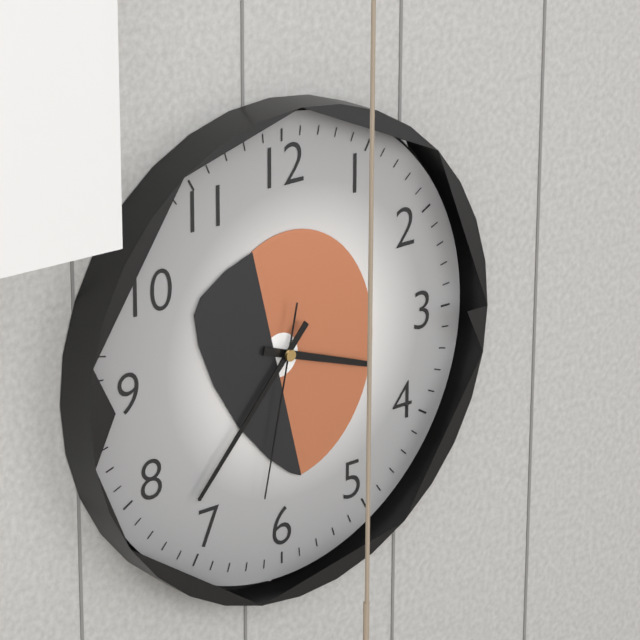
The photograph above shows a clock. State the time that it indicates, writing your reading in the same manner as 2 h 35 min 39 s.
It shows 3 h 37 min 32 s
